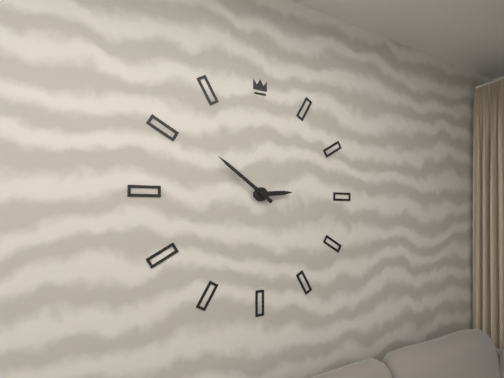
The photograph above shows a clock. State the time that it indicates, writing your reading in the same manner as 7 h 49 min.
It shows 2 h 51 min
